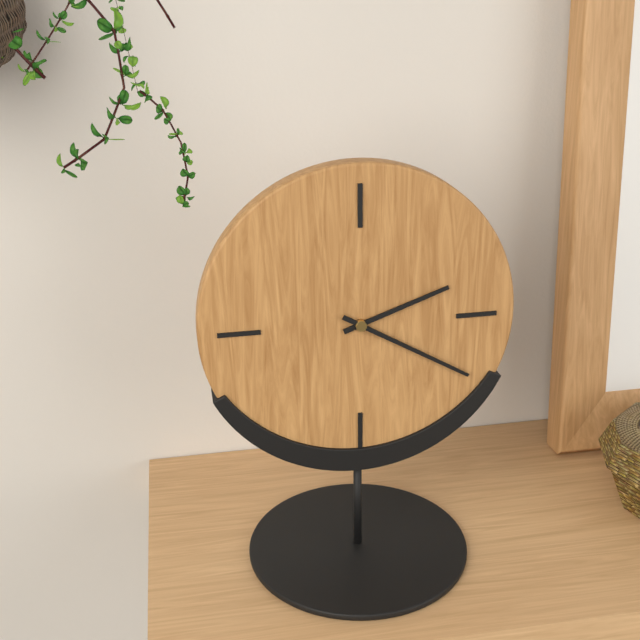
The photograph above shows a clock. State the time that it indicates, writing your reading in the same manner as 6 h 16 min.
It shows 2 h 20 min
